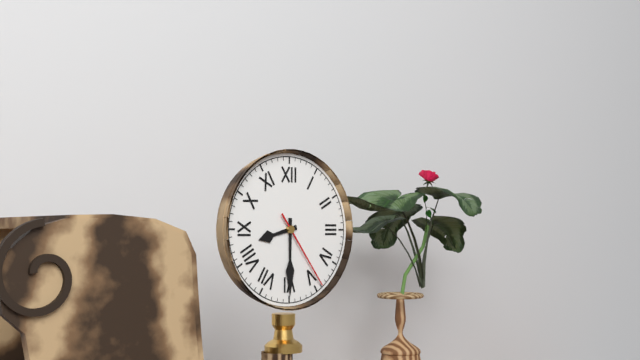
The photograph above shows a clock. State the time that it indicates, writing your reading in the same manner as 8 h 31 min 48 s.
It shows 8 h 30 min 24 s
